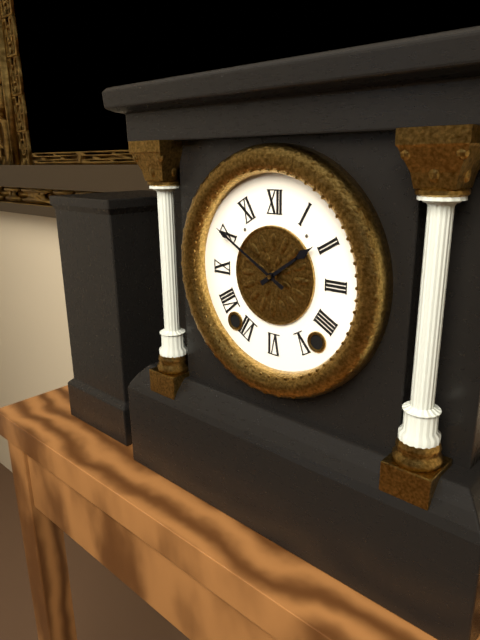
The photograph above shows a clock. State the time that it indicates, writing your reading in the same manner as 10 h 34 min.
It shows 1 h 50 min
